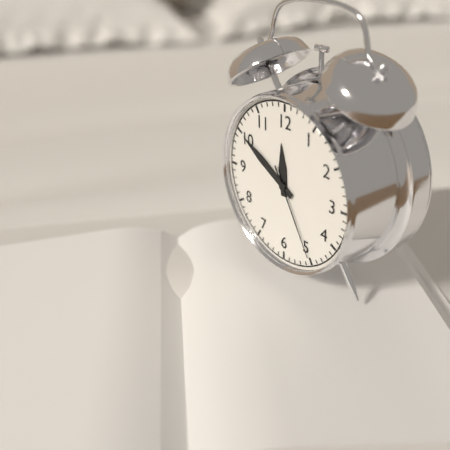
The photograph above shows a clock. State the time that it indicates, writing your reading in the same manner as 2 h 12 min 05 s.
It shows 11 h 50 min 25 s
